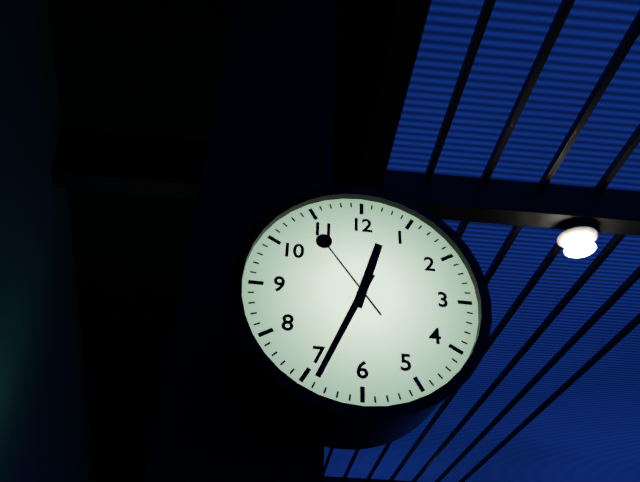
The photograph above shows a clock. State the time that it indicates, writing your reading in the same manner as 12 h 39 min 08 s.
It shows 12 h 34 min 54 s
